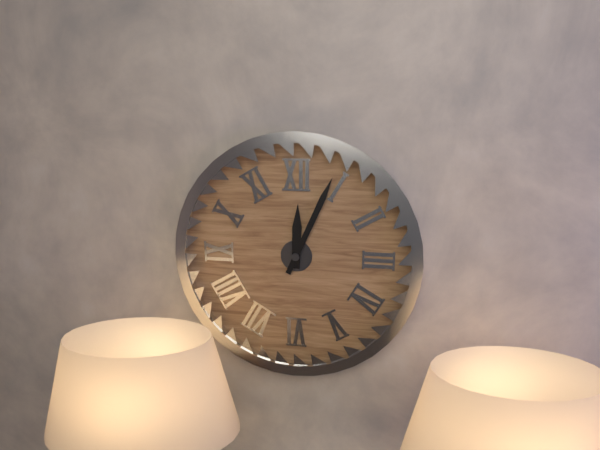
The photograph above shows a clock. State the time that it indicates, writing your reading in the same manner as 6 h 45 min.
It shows 12 h 04 min
